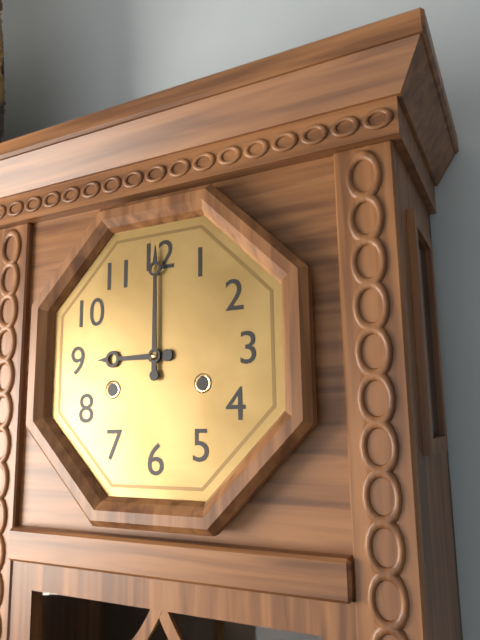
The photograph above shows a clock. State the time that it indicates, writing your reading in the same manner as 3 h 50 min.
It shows 9 h 00 min
